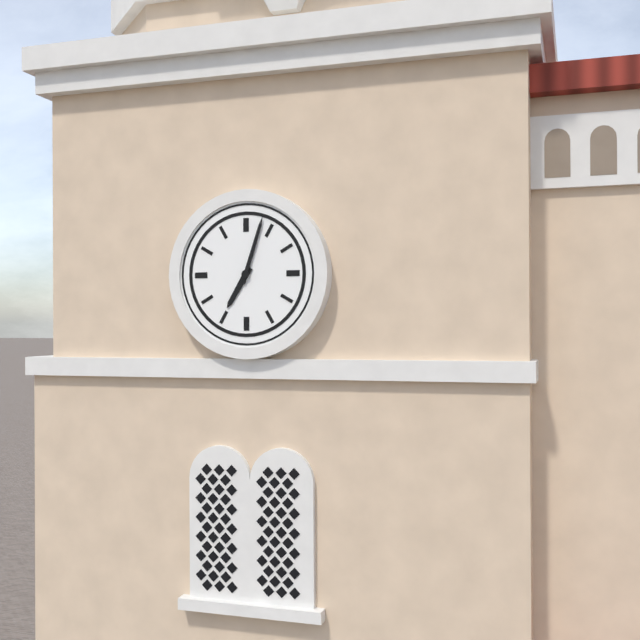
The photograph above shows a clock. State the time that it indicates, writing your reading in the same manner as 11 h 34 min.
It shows 7 h 03 min
